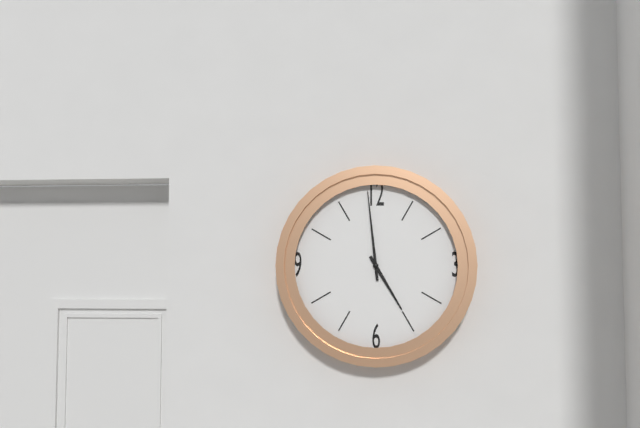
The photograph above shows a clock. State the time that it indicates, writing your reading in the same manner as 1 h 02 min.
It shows 4 h 59 min
